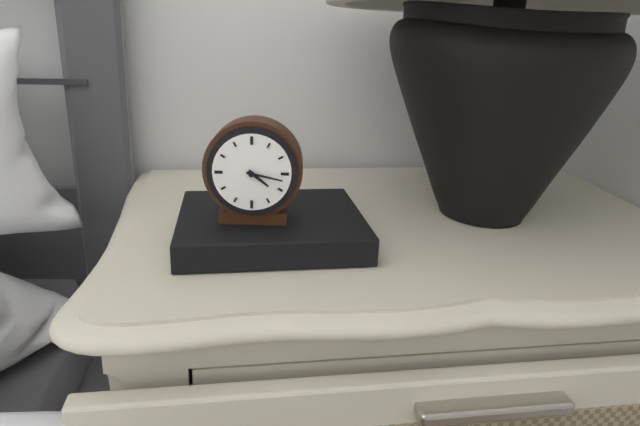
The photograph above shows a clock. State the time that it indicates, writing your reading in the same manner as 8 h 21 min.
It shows 4 h 17 min
